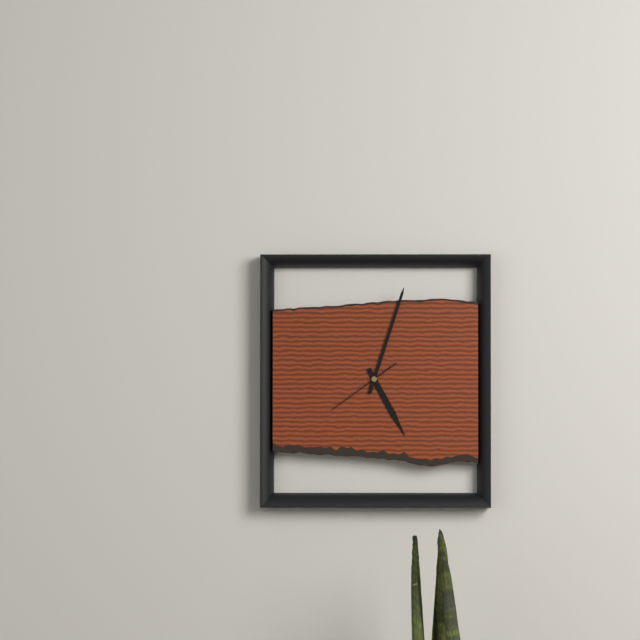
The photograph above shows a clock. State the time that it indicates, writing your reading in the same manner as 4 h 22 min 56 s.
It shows 5 h 03 min 39 s
